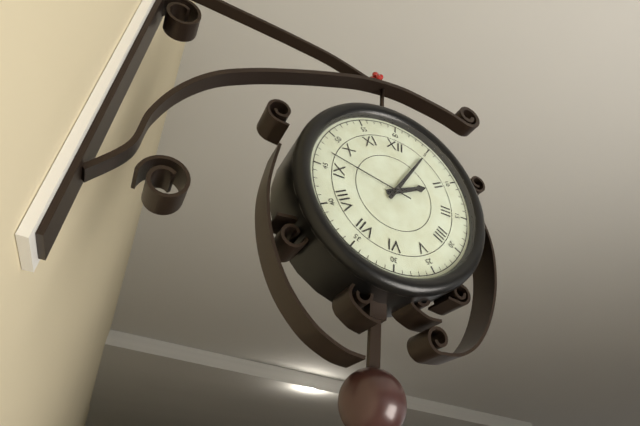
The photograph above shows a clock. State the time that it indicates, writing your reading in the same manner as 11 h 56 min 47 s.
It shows 2 h 05 min 47 s
